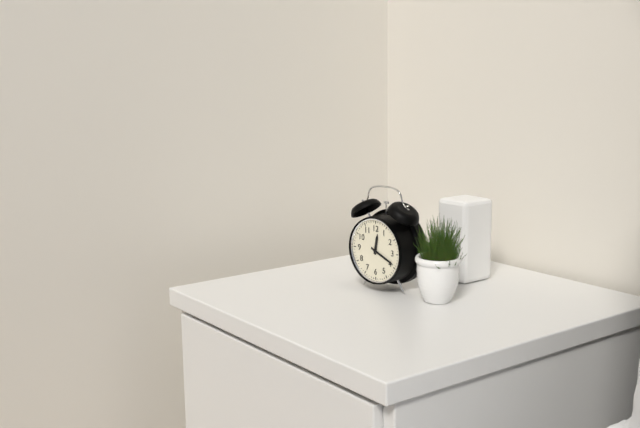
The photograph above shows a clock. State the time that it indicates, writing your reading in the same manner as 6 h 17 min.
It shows 12 h 19 min
